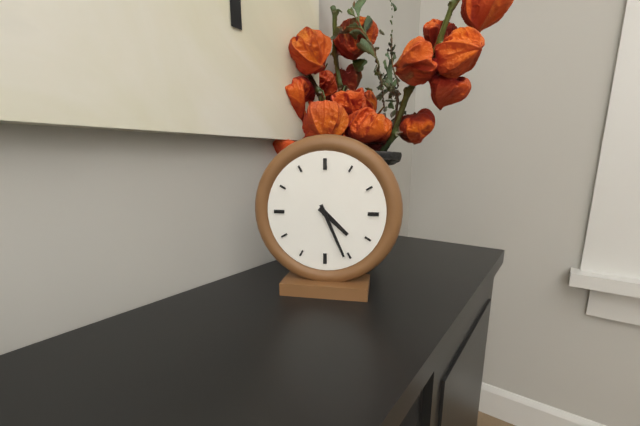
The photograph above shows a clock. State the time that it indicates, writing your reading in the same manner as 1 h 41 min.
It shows 4 h 26 min
